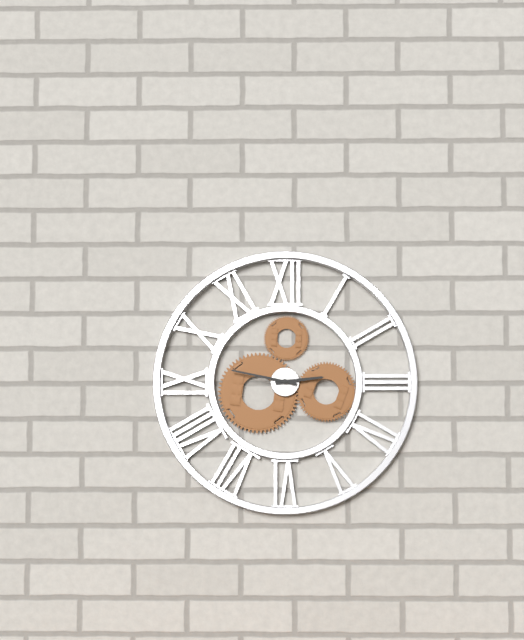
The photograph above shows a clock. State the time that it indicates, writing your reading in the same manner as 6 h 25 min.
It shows 2 h 47 min
